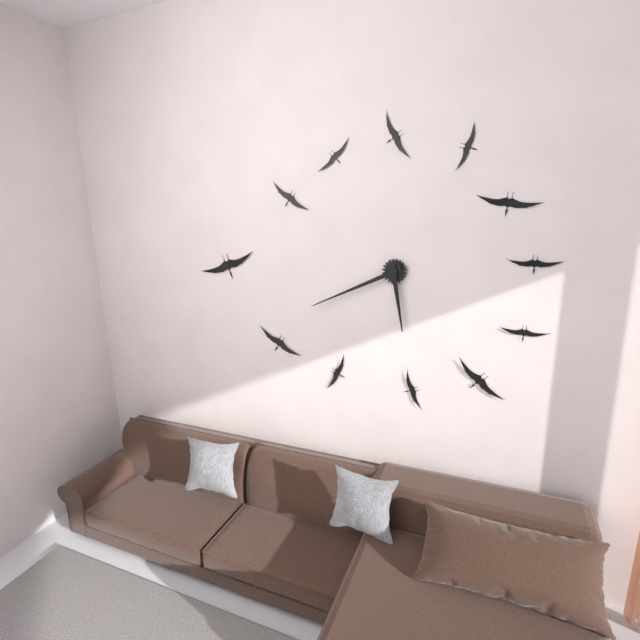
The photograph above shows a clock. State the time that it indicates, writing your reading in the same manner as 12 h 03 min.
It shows 5 h 41 min
